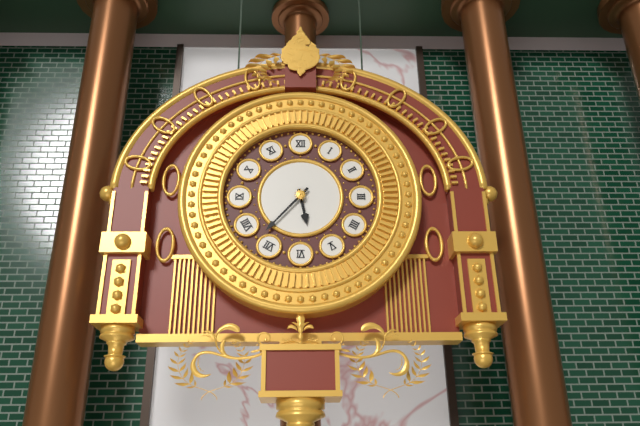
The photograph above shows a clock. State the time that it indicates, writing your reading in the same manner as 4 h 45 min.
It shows 5 h 37 min
